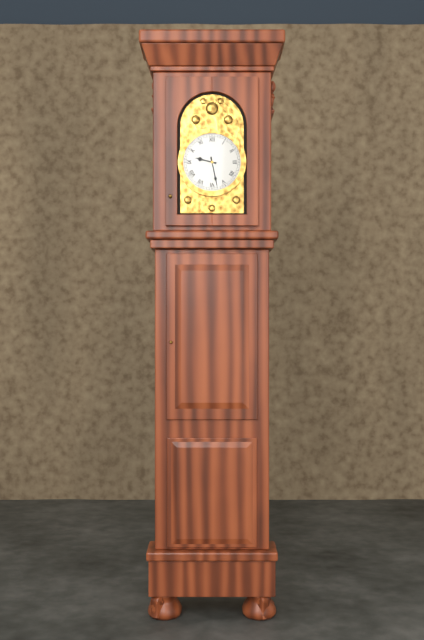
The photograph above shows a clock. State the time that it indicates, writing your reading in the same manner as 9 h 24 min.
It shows 9 h 28 min
